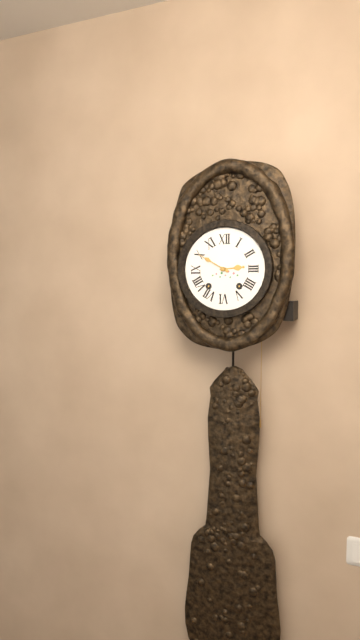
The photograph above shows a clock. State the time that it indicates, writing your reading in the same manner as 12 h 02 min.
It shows 2 h 50 min
